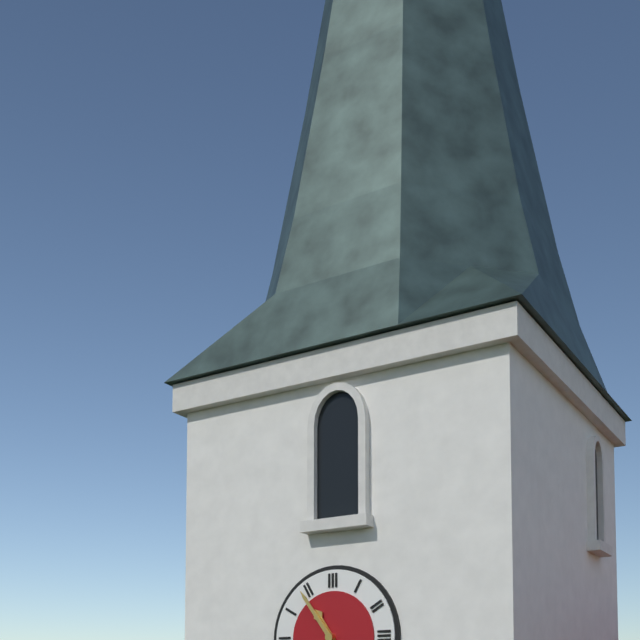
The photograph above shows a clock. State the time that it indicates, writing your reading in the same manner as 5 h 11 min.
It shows 10 h 54 min
